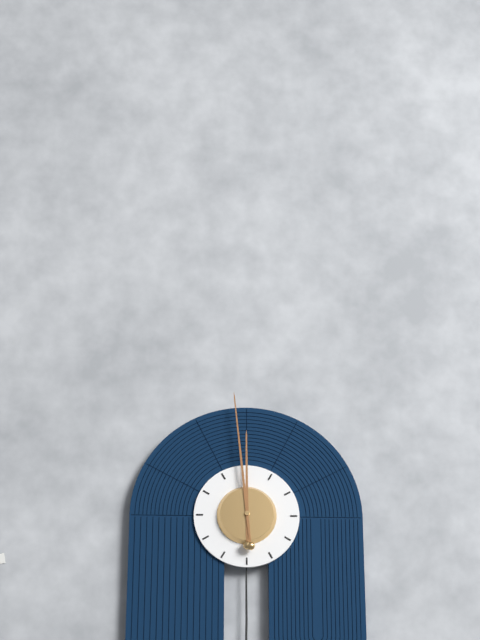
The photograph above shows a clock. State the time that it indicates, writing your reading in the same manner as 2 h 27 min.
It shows 11 h 59 min
